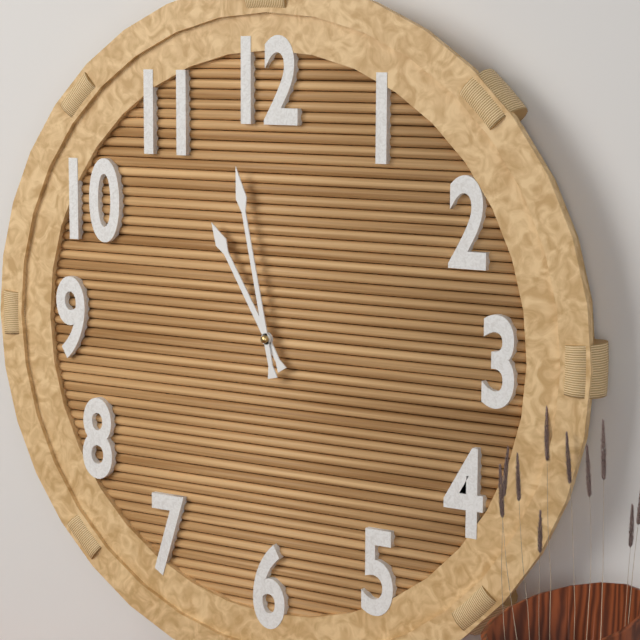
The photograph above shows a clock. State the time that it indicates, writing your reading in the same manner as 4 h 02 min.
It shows 10 h 58 min
